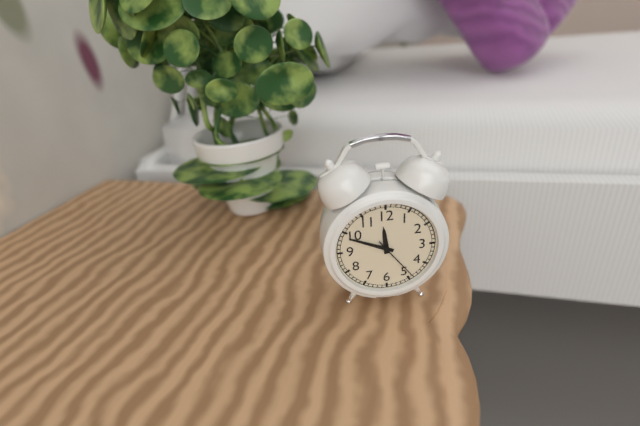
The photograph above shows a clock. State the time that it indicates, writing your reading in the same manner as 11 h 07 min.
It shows 11 h 49 min
